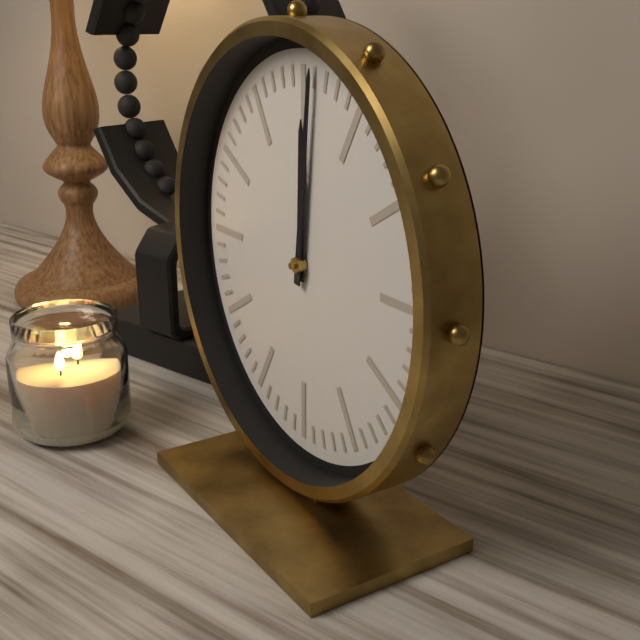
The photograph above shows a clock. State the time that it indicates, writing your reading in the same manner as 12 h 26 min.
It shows 12 h 01 min
